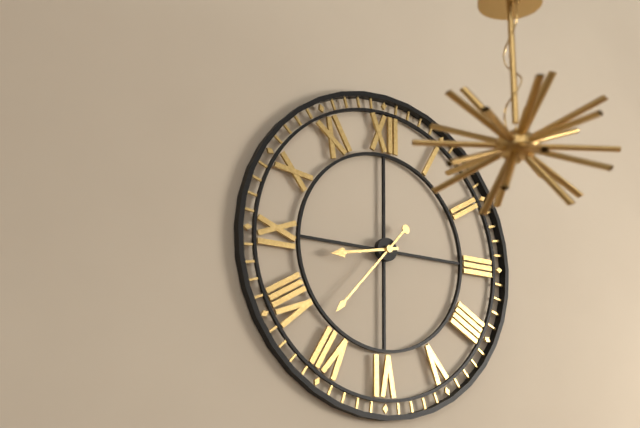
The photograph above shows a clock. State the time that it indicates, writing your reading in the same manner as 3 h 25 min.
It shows 8 h 37 min
